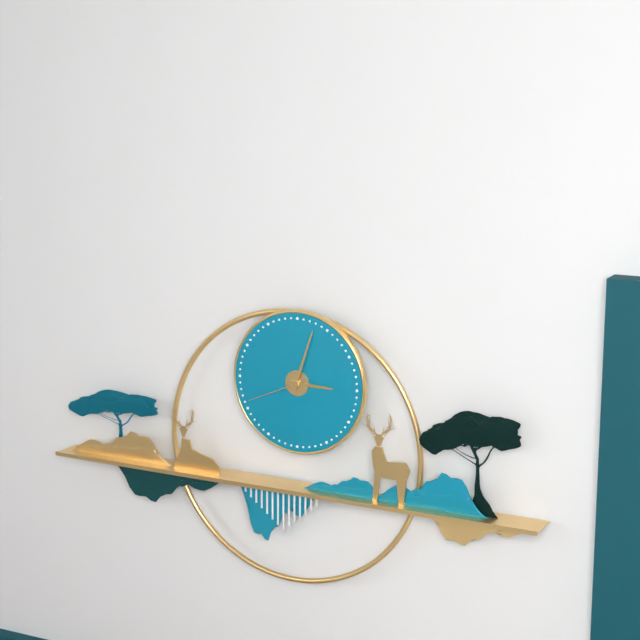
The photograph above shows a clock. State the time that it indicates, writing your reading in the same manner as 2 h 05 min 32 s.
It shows 3 h 03 min 41 s
